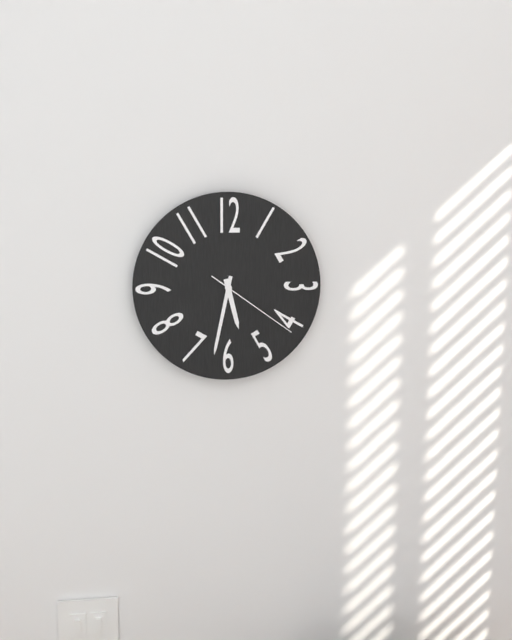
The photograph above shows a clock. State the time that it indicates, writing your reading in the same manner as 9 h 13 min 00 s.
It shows 5 h 32 min 21 s
